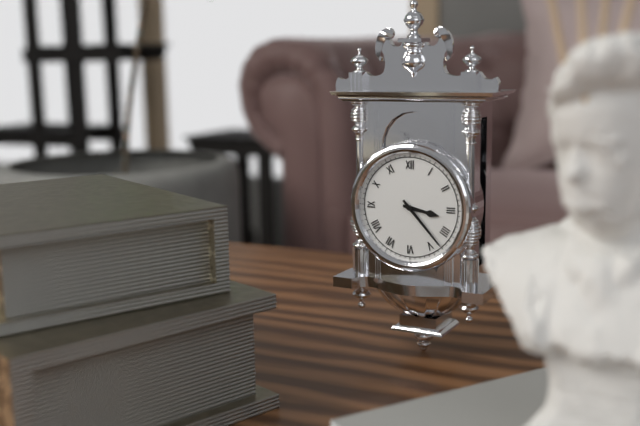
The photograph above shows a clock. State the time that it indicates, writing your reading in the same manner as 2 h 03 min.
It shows 3 h 23 min
